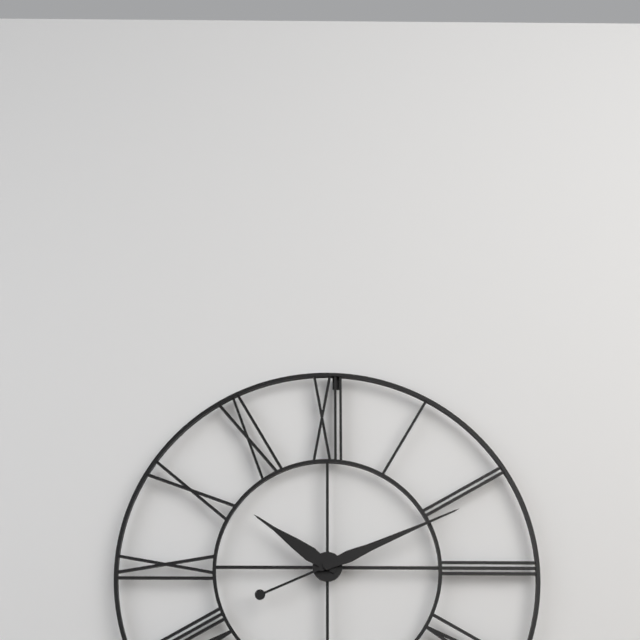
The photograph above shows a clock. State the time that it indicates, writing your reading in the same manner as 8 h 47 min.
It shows 10 h 11 min
